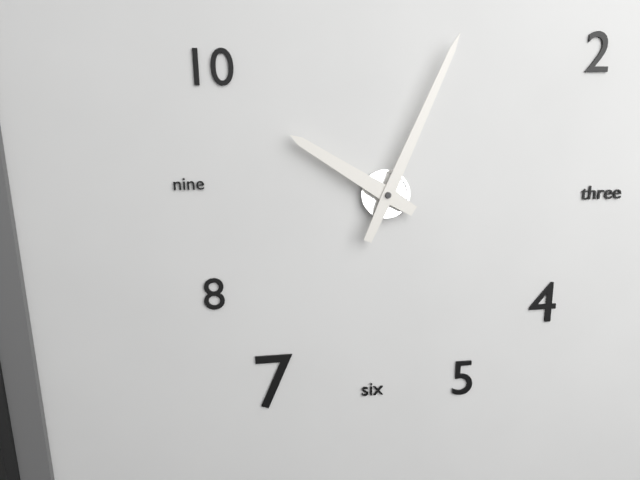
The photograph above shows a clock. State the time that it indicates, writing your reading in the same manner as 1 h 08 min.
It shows 10 h 04 min
